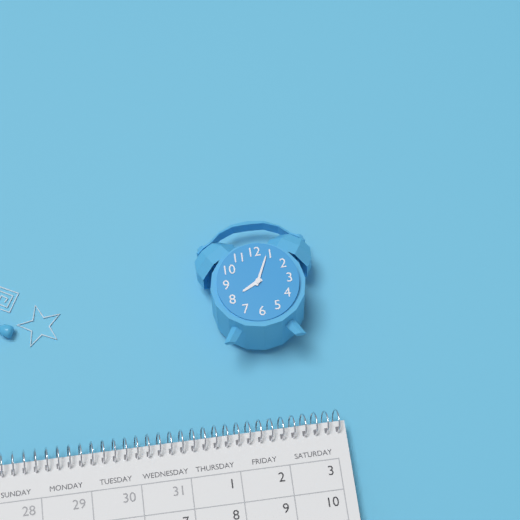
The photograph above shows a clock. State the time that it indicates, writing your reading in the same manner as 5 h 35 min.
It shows 8 h 04 min
